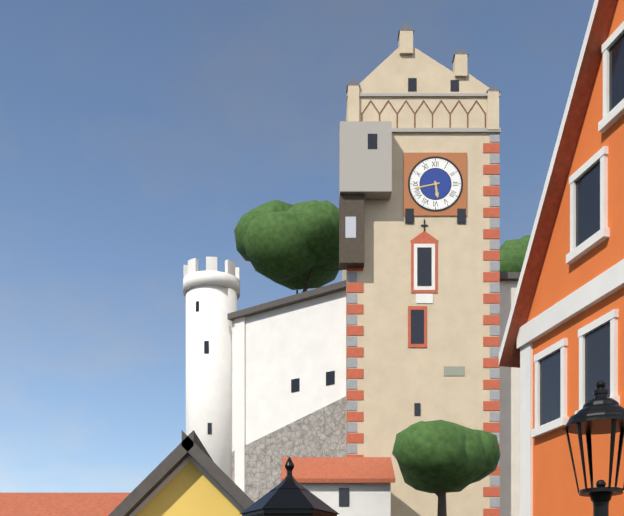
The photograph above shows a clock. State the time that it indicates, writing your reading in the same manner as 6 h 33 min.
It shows 5 h 43 min
